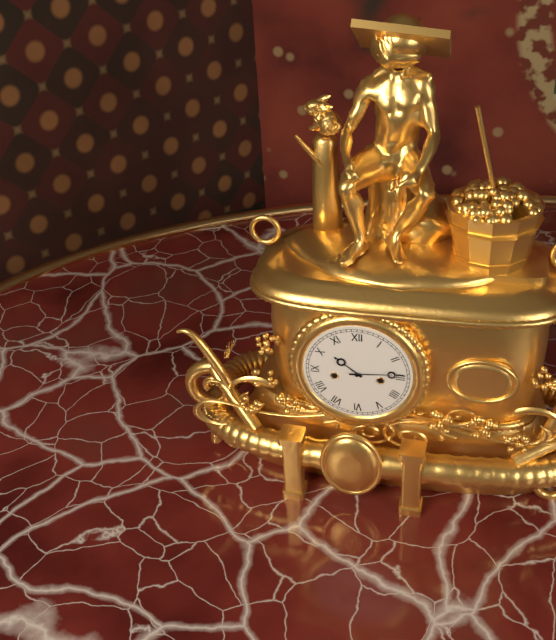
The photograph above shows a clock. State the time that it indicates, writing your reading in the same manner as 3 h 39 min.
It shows 10 h 14 min
